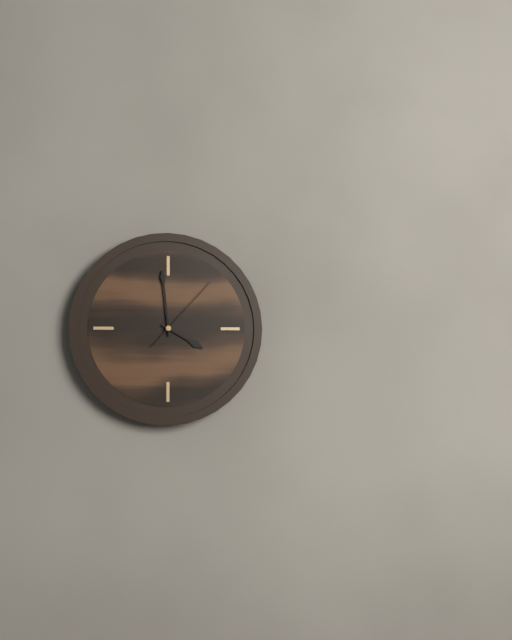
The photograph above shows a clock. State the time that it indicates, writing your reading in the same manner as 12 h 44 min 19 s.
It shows 3 h 59 min 07 s
